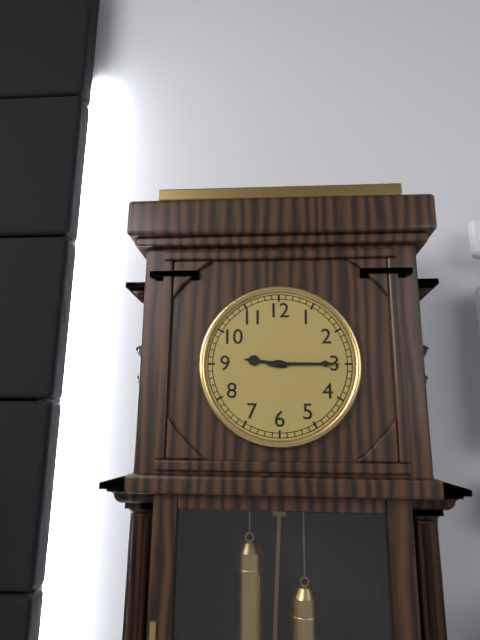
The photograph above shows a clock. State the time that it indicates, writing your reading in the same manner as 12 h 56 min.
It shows 9 h 15 min
